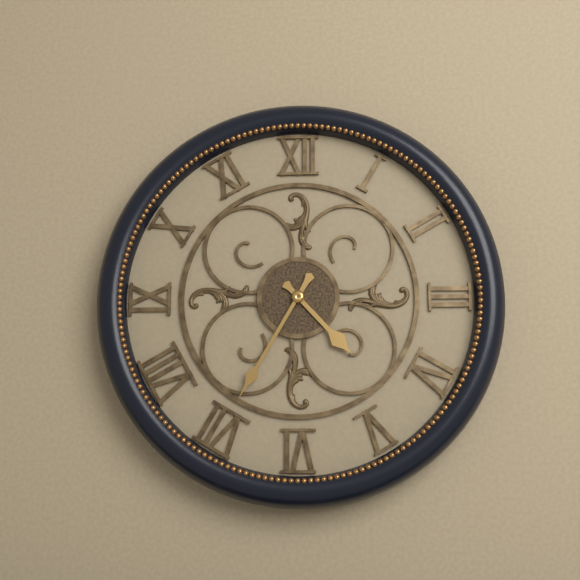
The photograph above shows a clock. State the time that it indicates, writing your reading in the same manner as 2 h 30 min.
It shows 4 h 35 min
